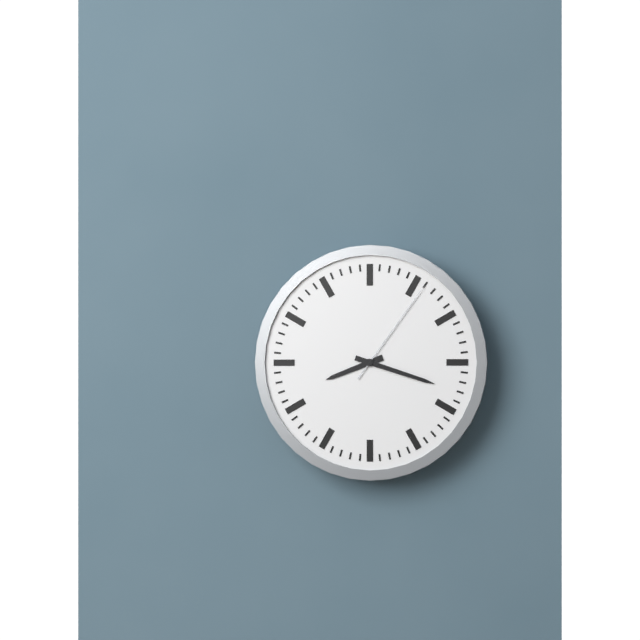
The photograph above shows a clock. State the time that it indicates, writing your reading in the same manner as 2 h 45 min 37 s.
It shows 8 h 18 min 06 s
